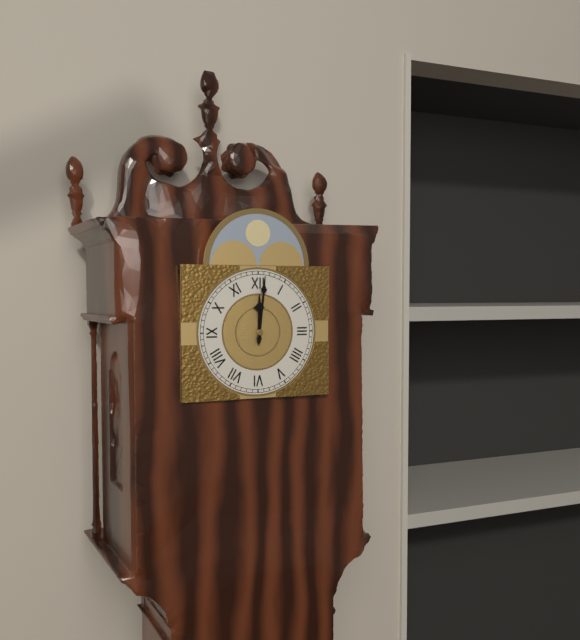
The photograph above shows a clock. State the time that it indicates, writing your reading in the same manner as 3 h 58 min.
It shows 12 h 01 min
